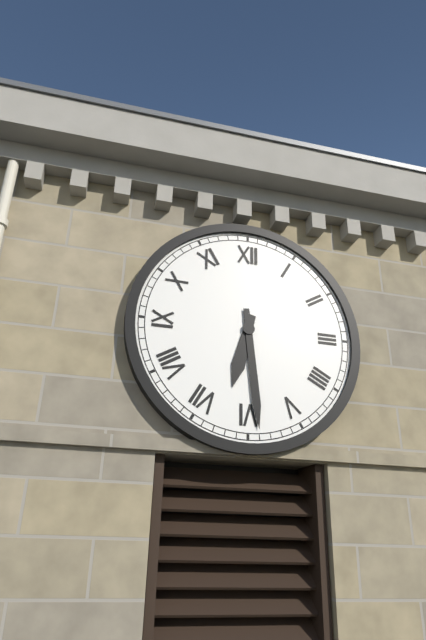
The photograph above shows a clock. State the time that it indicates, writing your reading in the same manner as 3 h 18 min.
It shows 6 h 29 min
